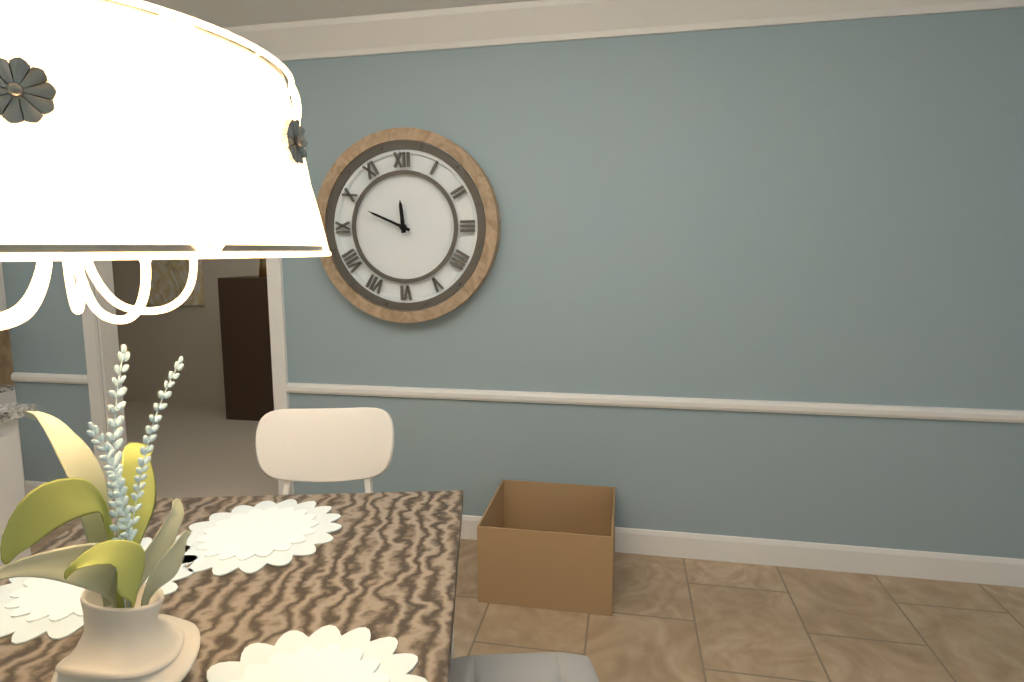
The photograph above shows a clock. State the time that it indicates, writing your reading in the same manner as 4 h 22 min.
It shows 11 h 49 min
